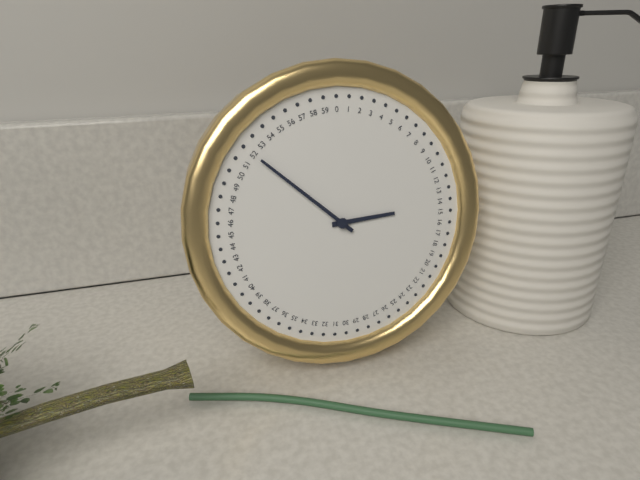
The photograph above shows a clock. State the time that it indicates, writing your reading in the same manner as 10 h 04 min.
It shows 2 h 52 min
